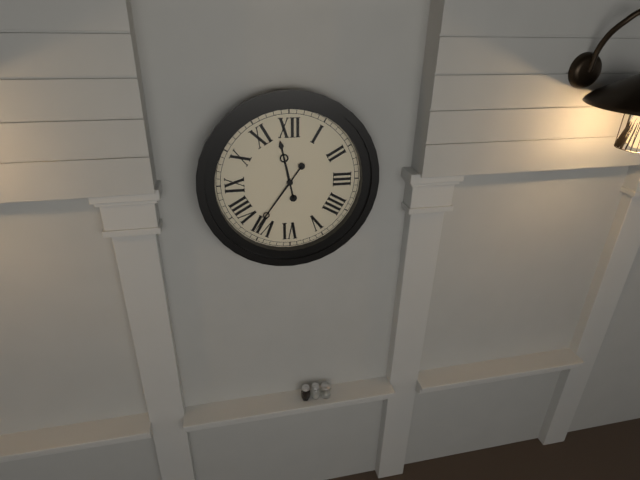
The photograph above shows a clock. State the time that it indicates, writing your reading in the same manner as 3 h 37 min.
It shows 11 h 36 min
